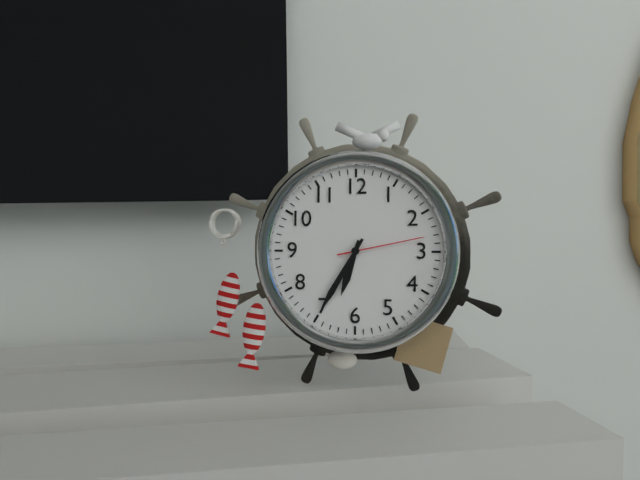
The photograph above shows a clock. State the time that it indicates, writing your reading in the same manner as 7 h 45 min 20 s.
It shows 6 h 35 min 13 s
